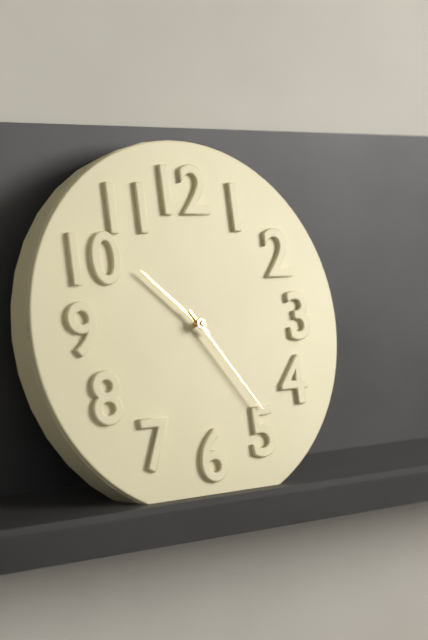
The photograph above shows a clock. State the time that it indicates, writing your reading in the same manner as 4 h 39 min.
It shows 10 h 24 min
